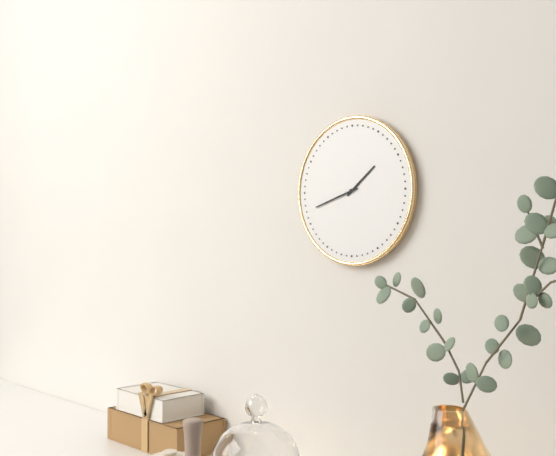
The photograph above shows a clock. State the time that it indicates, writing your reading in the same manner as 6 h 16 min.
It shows 1 h 42 min
